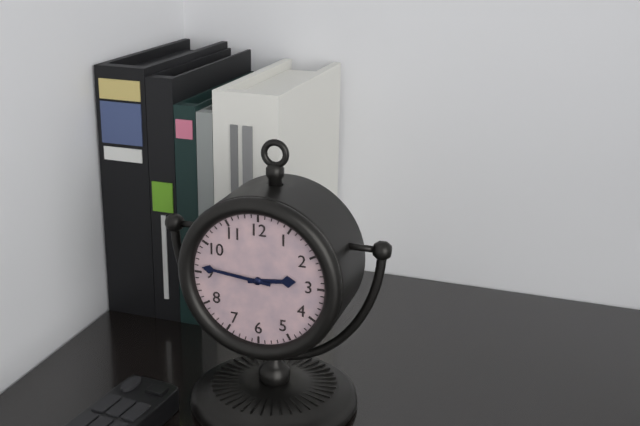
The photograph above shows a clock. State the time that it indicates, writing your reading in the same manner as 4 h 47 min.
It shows 2 h 46 min
